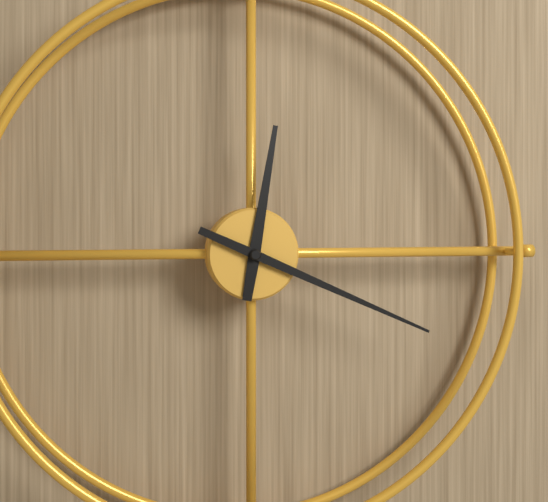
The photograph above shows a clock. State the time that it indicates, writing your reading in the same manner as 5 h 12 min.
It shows 12 h 19 min
